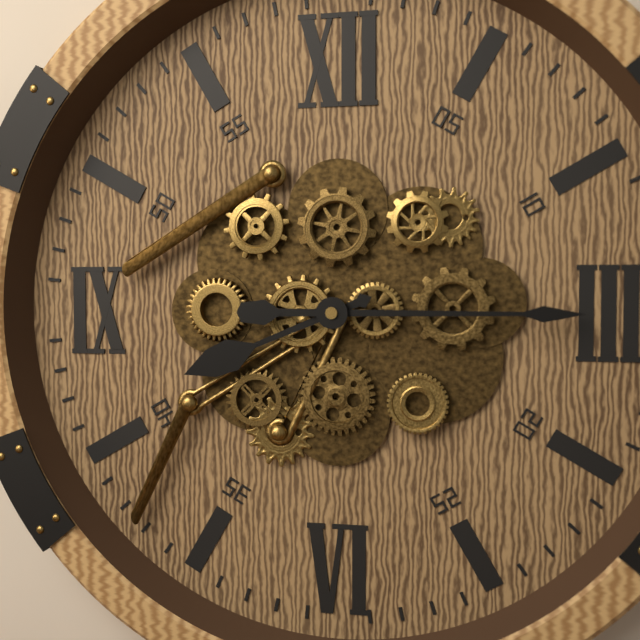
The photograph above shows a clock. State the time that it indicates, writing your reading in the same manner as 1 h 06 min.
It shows 8 h 15 min
